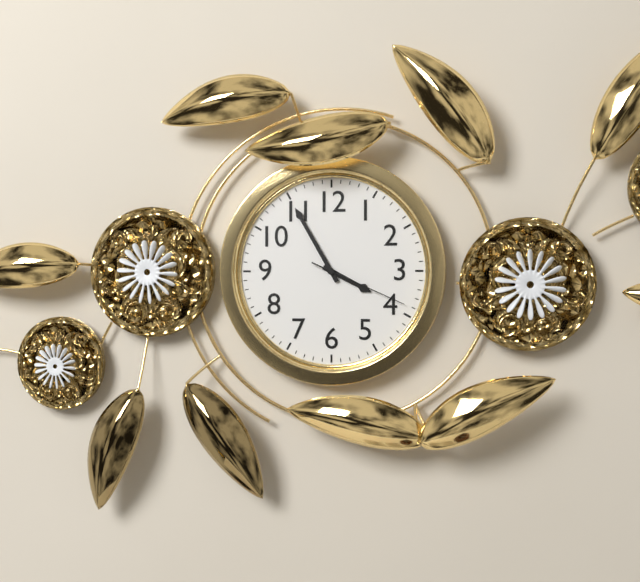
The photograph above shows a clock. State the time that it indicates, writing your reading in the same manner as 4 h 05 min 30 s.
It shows 3 h 55 min 19 s
